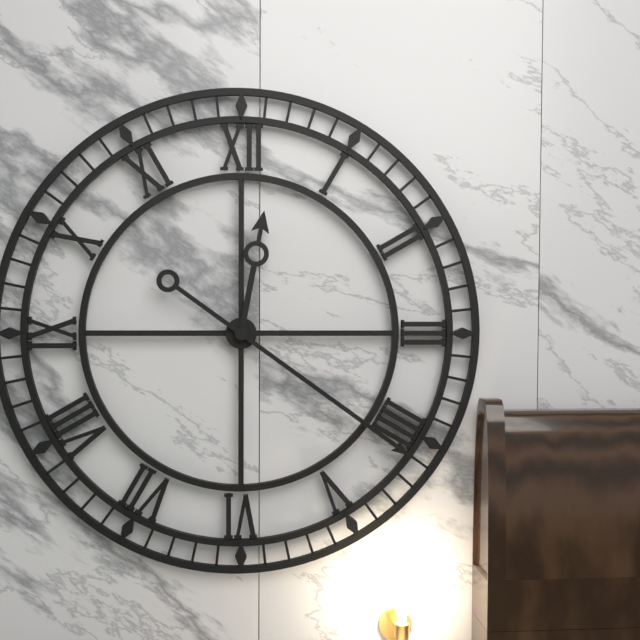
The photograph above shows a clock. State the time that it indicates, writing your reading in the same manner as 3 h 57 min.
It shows 12 h 21 min
